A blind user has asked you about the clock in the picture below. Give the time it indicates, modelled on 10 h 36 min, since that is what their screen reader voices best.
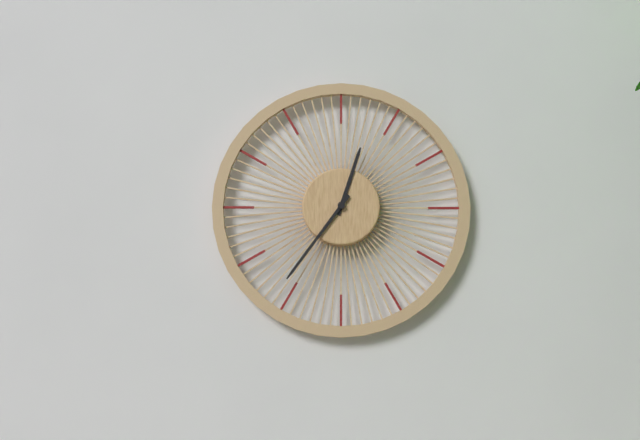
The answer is 12 h 36 min
